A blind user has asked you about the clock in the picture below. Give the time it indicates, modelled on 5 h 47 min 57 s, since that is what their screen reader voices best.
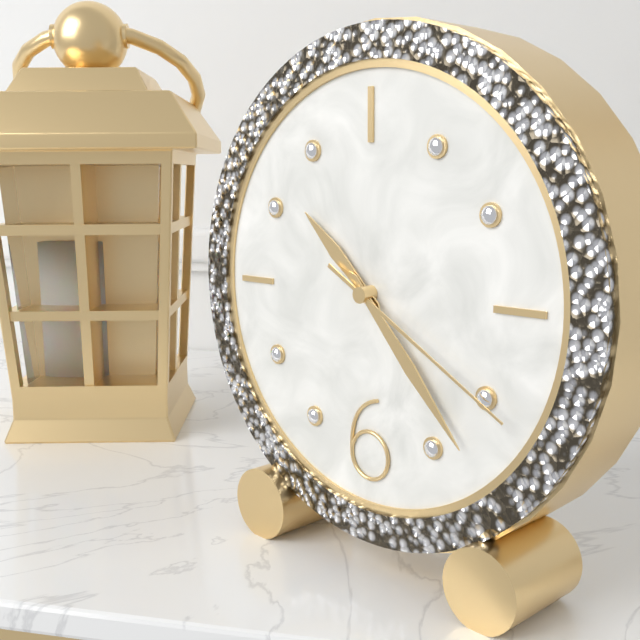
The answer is 10 h 23 min 20 s
